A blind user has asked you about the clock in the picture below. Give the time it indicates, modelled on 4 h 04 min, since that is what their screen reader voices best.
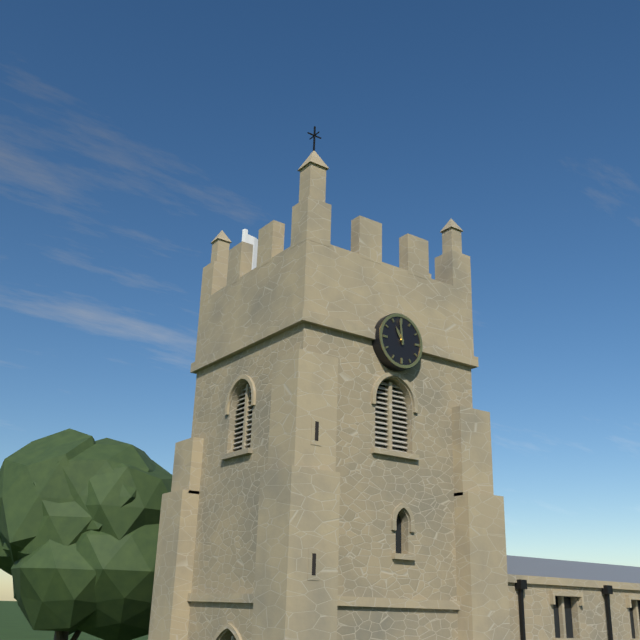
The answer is 10 h 59 min
